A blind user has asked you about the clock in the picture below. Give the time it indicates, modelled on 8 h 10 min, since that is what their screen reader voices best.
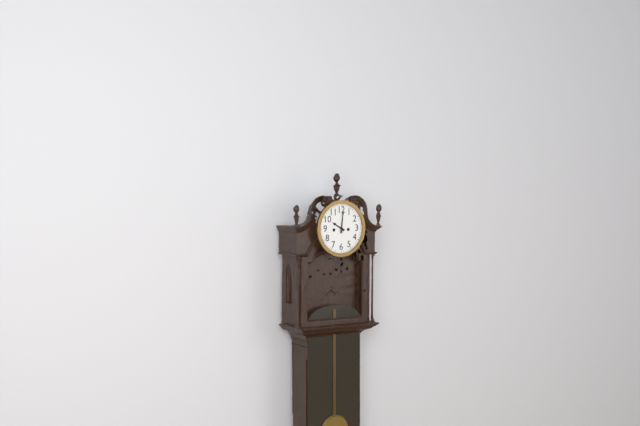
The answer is 10 h 01 min
